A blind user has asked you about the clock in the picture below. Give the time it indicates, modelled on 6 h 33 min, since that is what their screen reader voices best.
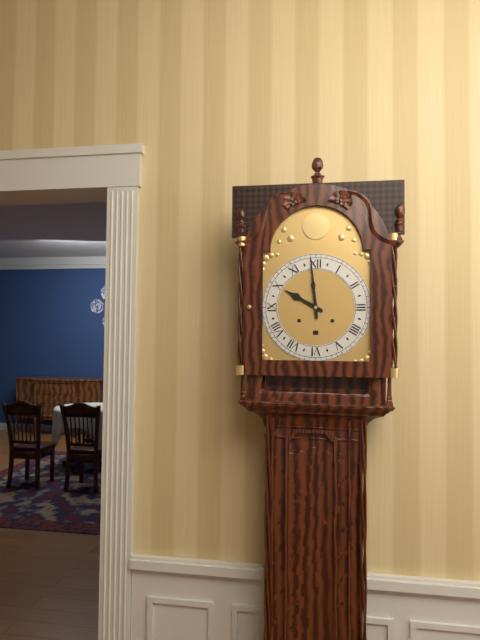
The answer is 9 h 59 min
